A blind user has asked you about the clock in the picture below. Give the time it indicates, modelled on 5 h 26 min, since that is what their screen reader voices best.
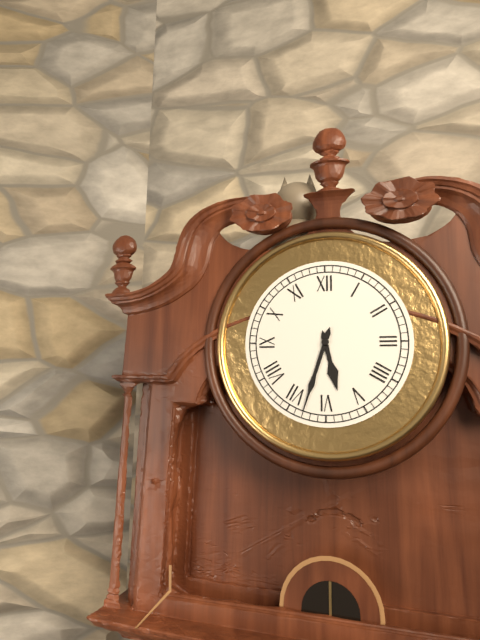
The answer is 5 h 33 min
